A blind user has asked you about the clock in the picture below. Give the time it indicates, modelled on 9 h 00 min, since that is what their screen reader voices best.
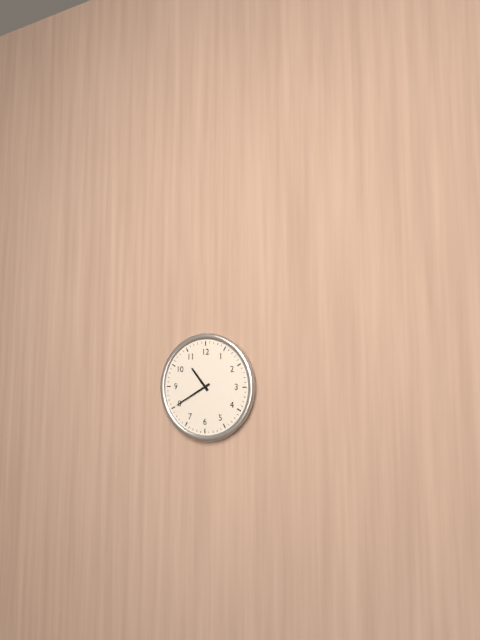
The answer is 10 h 40 min
